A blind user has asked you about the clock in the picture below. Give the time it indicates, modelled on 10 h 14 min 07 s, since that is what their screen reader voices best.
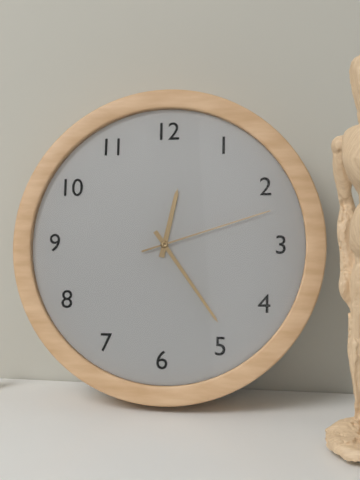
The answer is 12 h 24 min 12 s
